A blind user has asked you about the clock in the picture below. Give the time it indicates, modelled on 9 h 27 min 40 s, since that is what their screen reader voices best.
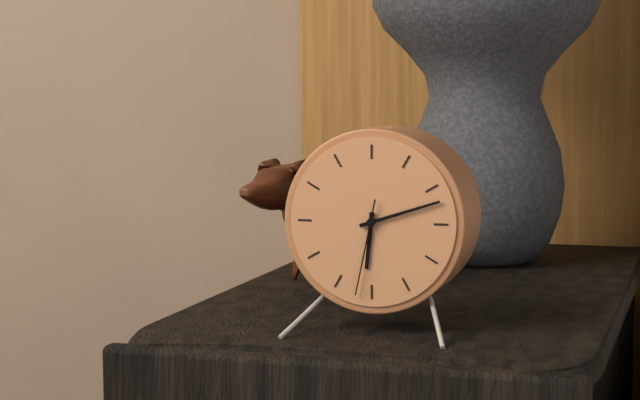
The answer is 6 h 12 min 32 s
